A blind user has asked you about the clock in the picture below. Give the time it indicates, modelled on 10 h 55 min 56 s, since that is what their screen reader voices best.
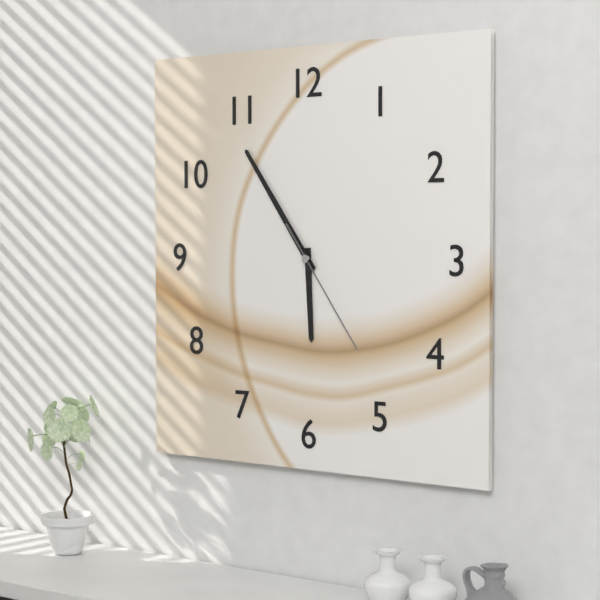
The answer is 5 h 54 min 24 s
